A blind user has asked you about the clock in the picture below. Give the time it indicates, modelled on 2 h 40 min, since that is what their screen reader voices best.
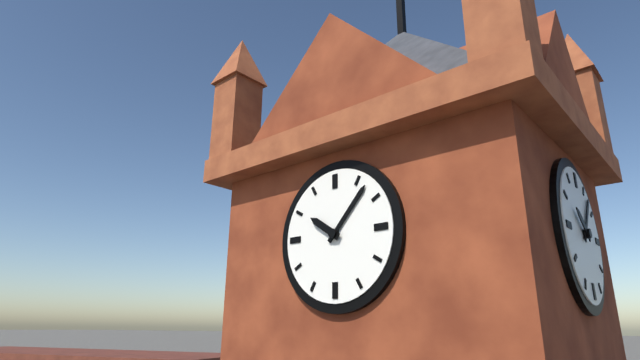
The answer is 10 h 07 min
